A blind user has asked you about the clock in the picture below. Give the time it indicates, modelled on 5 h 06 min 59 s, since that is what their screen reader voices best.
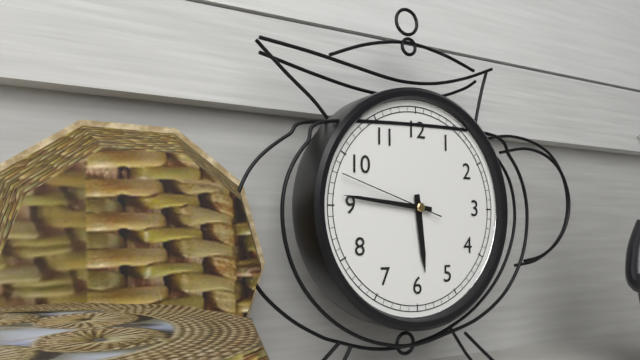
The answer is 5 h 46 min 48 s
